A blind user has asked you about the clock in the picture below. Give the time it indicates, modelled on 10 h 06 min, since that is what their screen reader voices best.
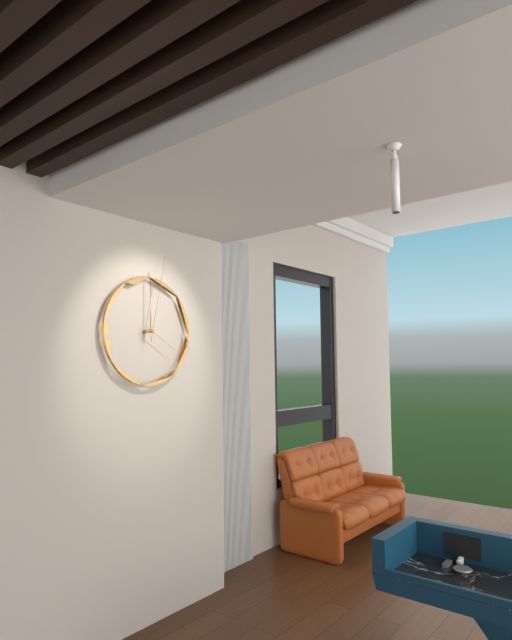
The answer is 4 h 02 min
